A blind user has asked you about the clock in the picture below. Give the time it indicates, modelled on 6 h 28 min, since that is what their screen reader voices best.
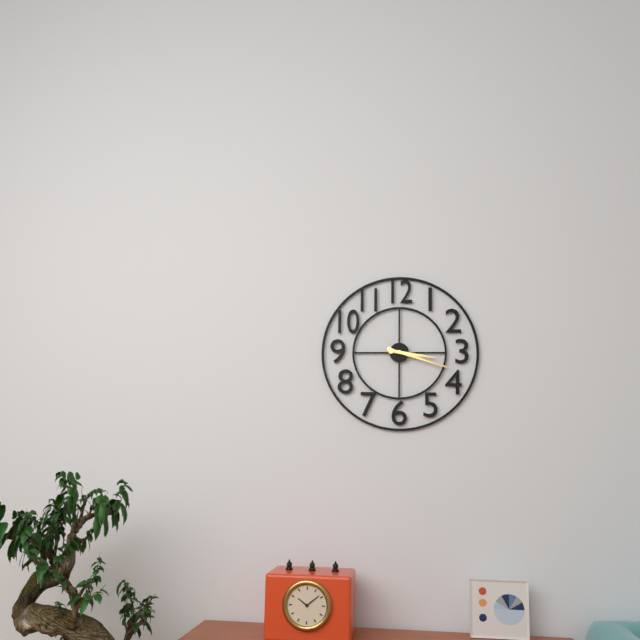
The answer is 3 h 18 min
